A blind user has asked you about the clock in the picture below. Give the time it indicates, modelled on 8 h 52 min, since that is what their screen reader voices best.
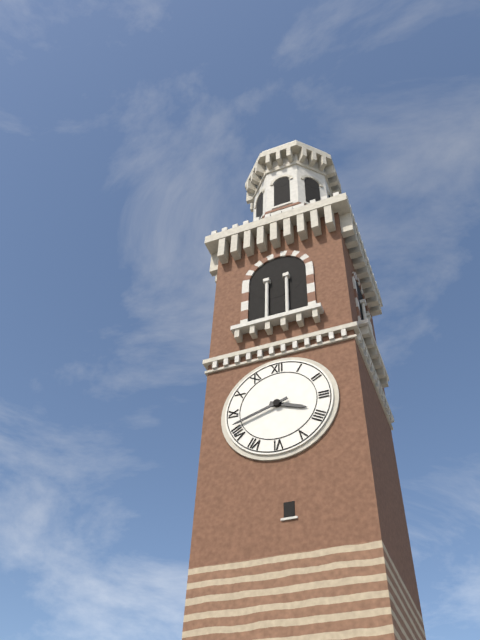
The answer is 3 h 42 min
